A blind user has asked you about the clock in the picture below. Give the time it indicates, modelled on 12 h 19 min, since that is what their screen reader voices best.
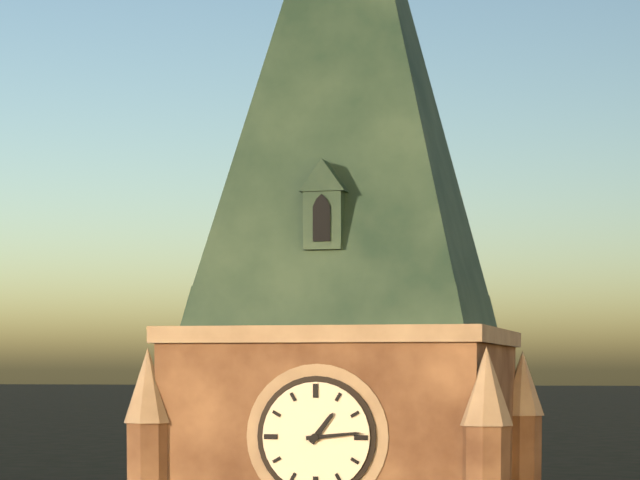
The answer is 1 h 14 min
